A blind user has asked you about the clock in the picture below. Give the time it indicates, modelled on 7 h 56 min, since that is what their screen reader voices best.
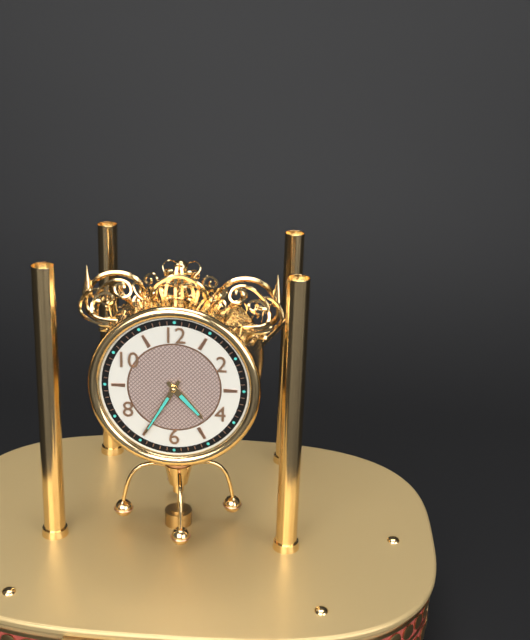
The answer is 4 h 35 min
